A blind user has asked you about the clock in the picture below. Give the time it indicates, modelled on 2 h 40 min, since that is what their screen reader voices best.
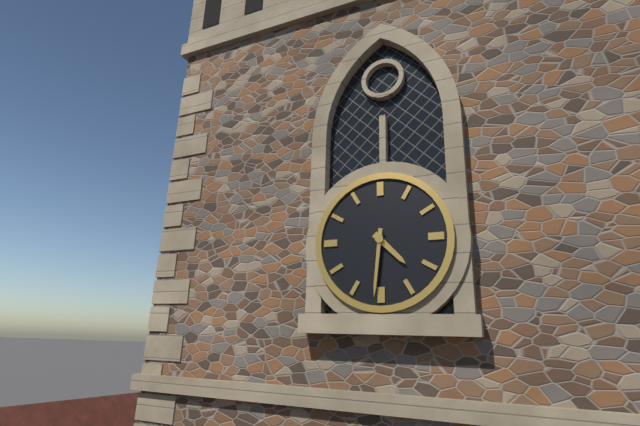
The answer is 4 h 31 min
